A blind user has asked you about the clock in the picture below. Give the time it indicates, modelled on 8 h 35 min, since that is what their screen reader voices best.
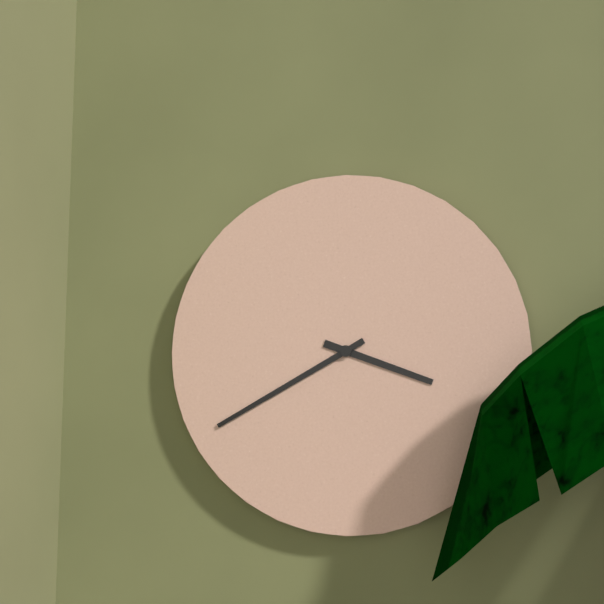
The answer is 3 h 40 min
